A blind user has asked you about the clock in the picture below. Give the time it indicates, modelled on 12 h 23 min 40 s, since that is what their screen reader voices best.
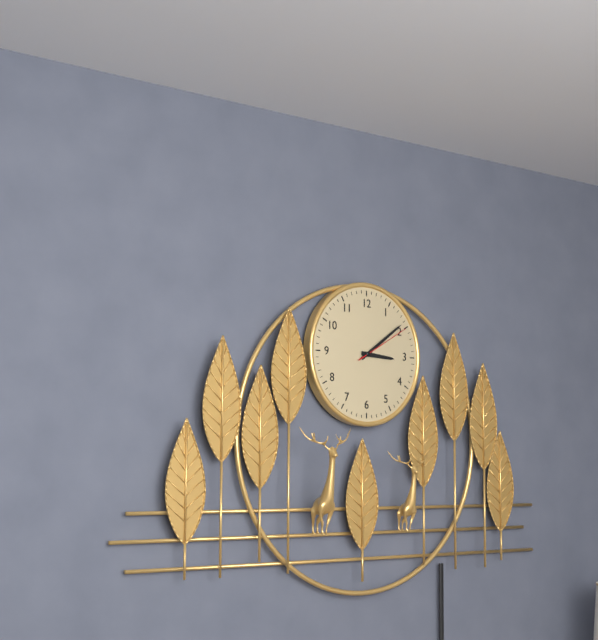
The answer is 3 h 09 min 10 s
